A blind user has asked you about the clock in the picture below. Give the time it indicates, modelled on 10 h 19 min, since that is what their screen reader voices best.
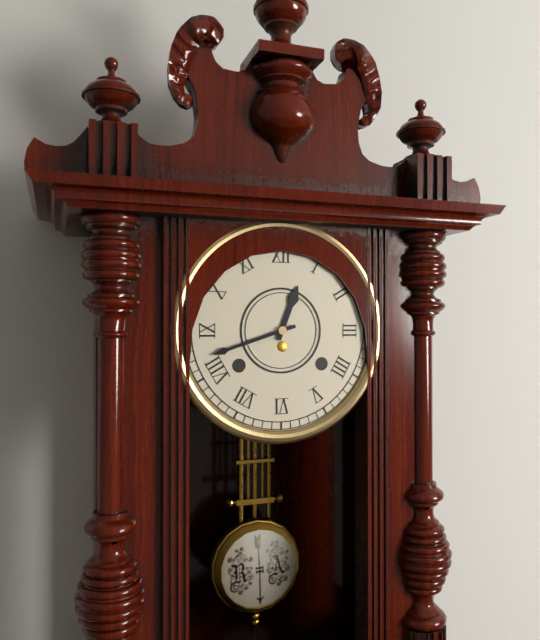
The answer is 12 h 42 min
